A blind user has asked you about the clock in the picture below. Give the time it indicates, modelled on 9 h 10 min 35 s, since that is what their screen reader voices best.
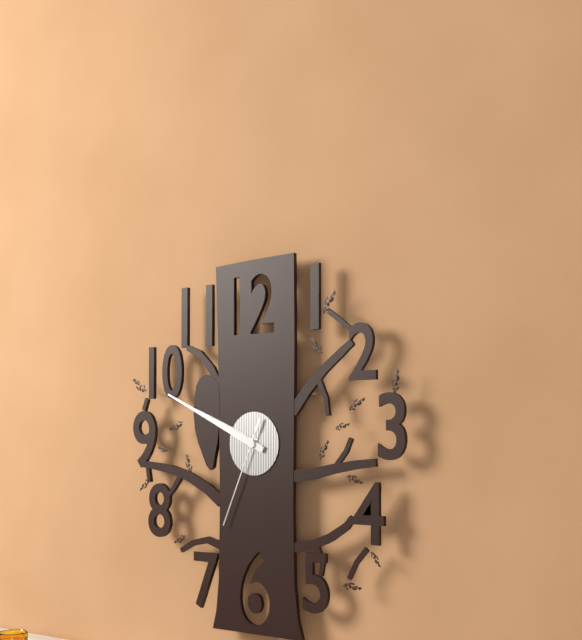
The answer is 9 h 49 min 34 s
